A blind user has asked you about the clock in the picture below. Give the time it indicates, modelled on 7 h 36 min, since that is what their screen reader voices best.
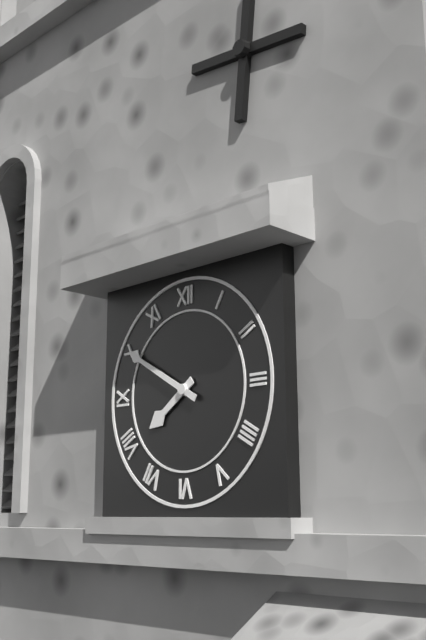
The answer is 7 h 50 min
